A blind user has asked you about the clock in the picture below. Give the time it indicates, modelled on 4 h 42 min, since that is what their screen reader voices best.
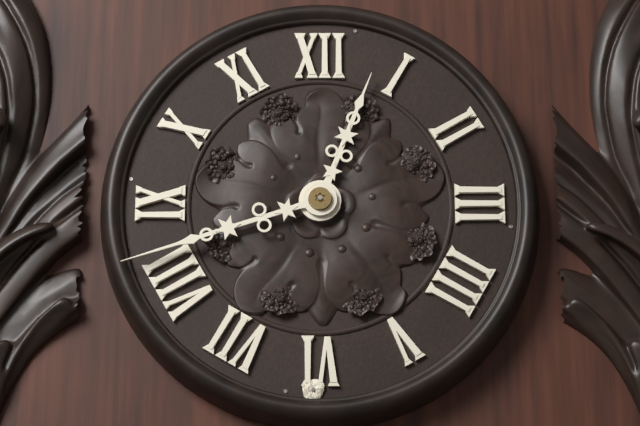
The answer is 12 h 42 min
